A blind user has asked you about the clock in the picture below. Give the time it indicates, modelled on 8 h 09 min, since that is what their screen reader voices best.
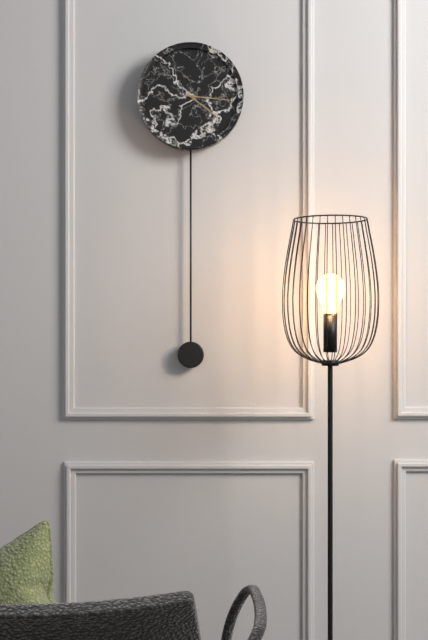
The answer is 4 h 16 min
